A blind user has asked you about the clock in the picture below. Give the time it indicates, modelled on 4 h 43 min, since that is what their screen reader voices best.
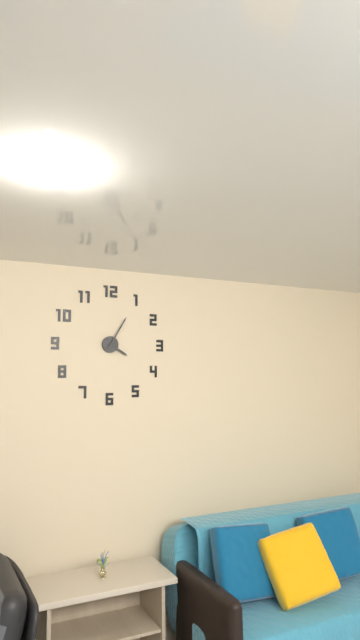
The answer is 4 h 05 min
